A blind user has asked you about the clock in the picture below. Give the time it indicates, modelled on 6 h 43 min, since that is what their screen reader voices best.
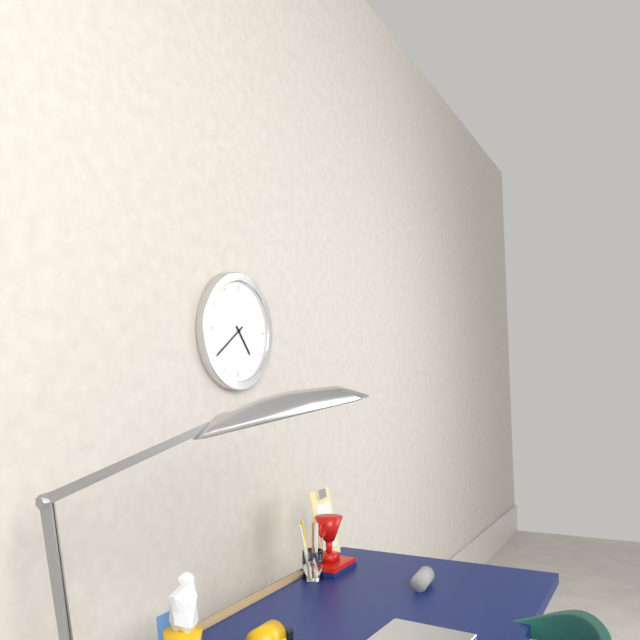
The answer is 4 h 39 min
